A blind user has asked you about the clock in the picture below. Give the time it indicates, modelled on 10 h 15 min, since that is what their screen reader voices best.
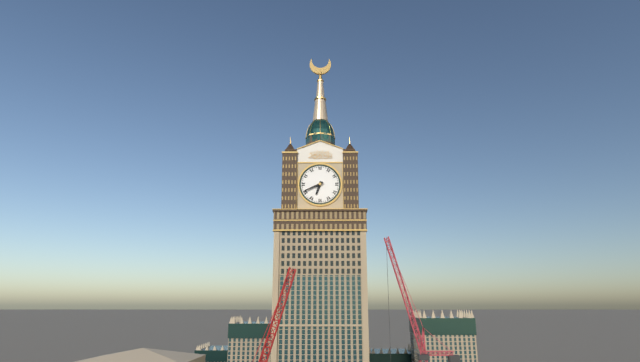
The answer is 6 h 41 min
